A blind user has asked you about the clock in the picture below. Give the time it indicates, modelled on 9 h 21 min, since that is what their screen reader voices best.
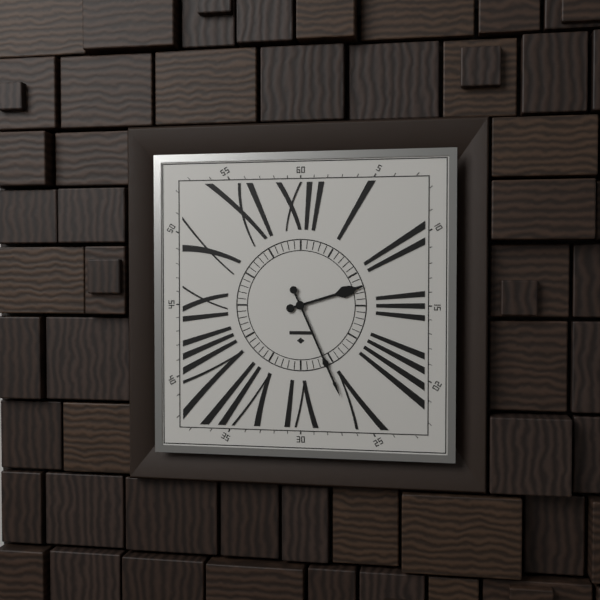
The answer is 2 h 26 min
